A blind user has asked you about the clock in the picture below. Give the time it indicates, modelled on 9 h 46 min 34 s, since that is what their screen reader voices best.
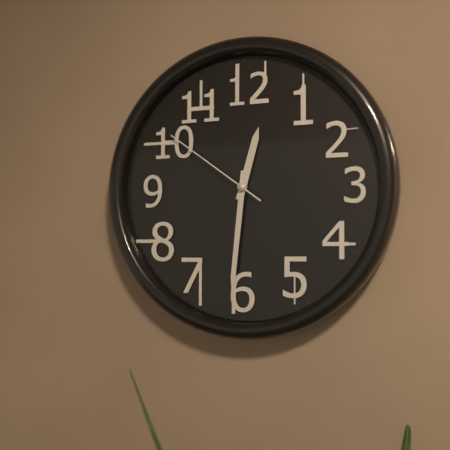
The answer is 12 h 31 min 51 s
